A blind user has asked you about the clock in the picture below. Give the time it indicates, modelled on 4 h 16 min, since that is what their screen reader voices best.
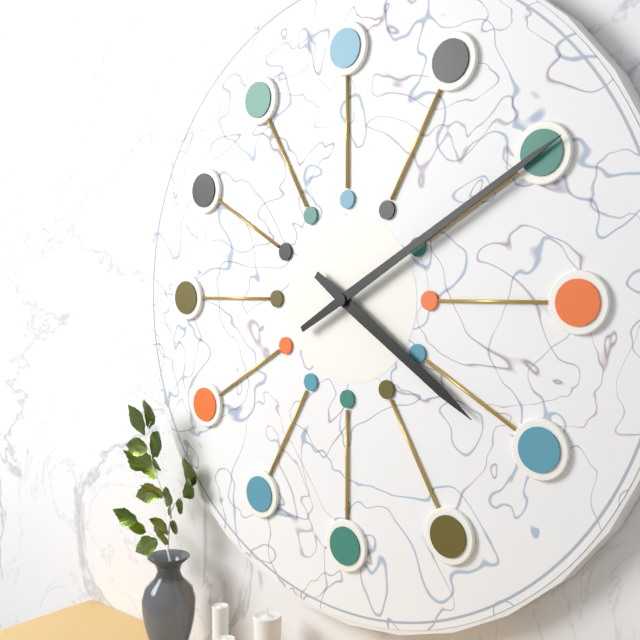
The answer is 4 h 10 min
